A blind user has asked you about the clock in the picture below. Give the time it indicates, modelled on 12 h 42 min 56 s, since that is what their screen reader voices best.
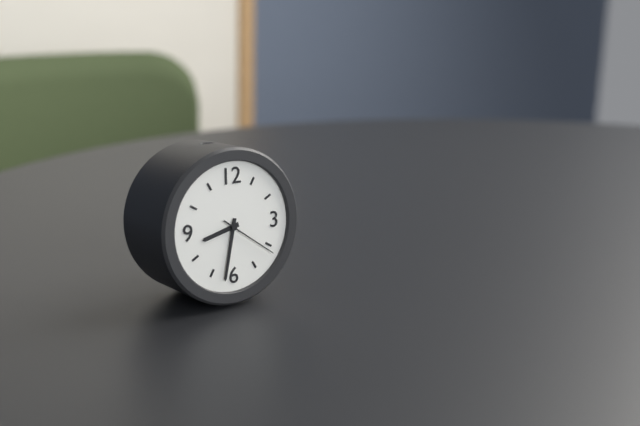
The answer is 8 h 32 min 21 s
